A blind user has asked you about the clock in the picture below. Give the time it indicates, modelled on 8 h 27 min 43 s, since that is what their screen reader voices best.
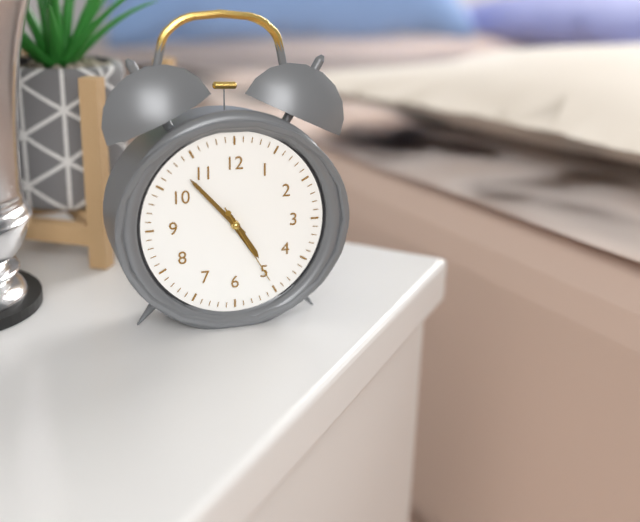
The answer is 4 h 53 min 25 s
